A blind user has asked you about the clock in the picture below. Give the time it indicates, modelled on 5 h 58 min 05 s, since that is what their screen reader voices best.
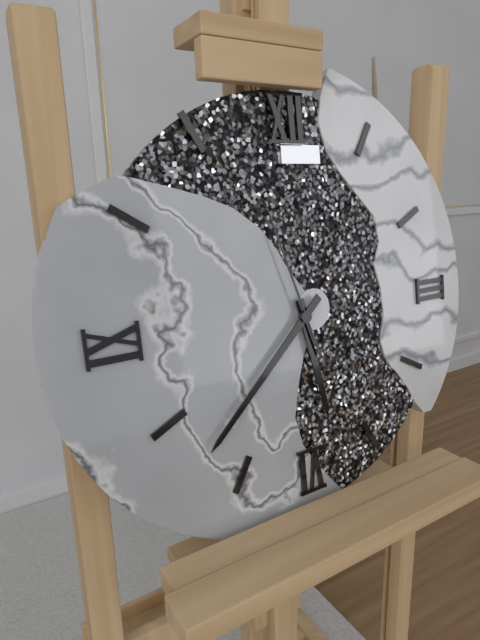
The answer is 5 h 38 min 57 s
